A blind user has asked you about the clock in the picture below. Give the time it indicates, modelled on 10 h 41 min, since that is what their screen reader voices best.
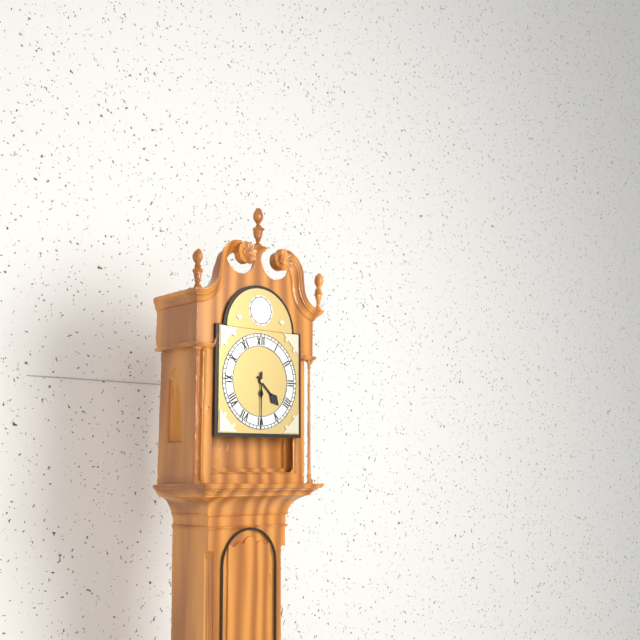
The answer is 4 h 30 min
